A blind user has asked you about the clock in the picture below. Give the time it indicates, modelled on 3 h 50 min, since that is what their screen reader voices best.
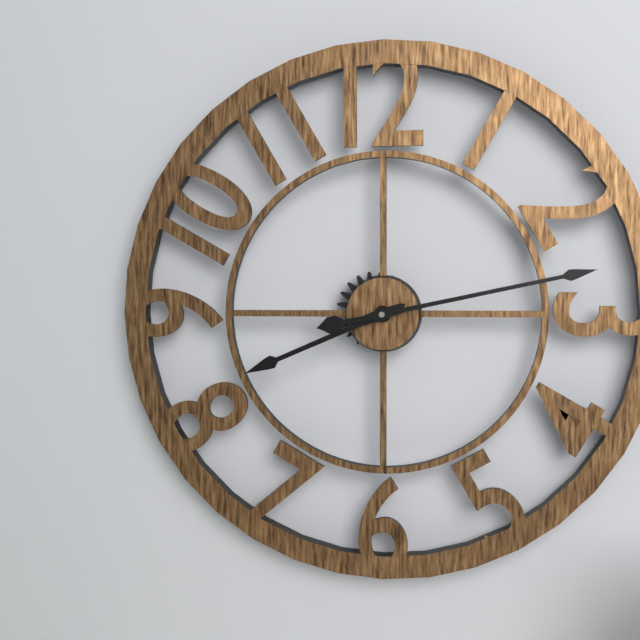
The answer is 8 h 13 min
